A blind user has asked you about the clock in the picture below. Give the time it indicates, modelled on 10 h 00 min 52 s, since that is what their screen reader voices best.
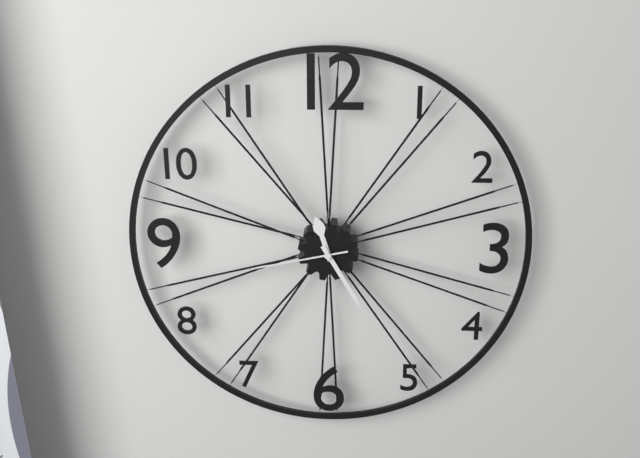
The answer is 11 h 25 min 43 s
